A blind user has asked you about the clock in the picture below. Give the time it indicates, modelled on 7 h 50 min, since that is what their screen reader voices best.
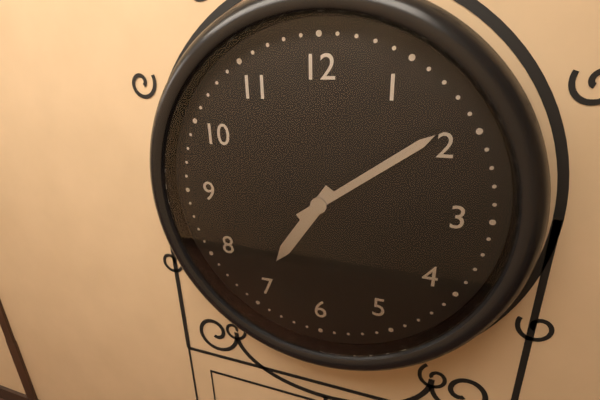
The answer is 7 h 09 min
